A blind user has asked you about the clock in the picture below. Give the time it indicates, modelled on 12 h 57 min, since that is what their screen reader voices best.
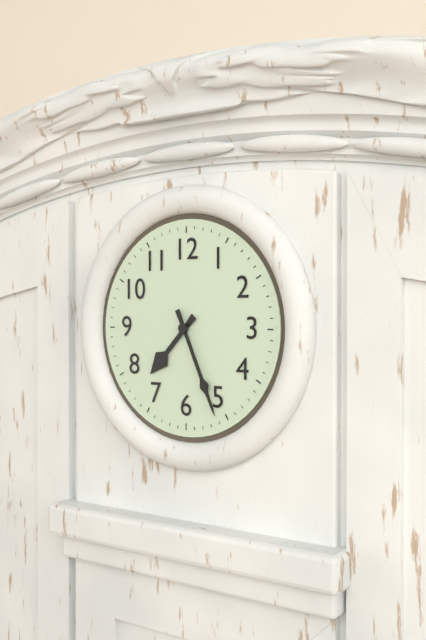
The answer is 7 h 26 min
